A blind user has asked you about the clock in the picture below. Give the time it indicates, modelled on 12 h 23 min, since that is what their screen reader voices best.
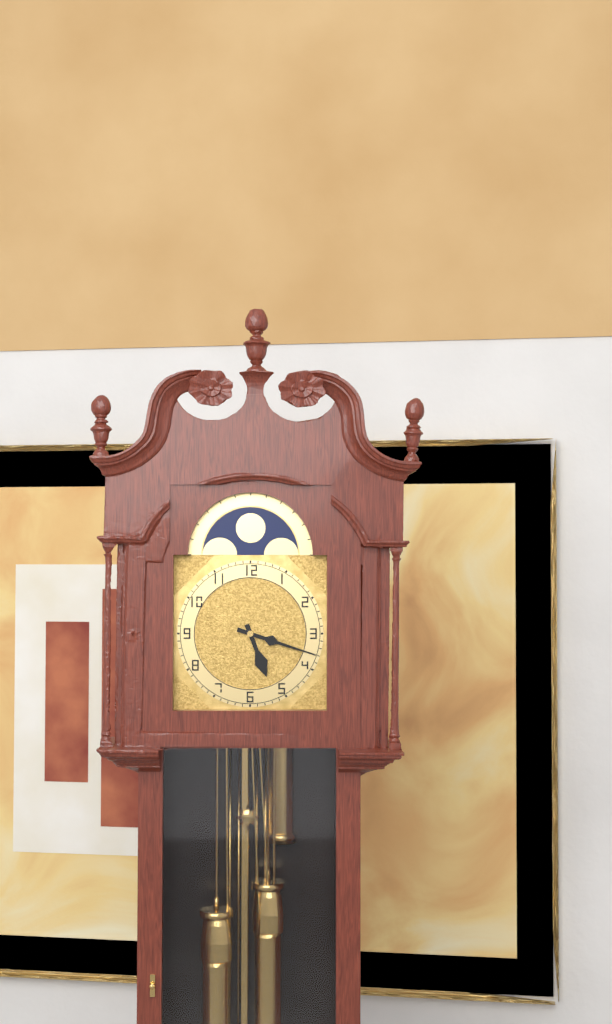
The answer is 5 h 18 min
